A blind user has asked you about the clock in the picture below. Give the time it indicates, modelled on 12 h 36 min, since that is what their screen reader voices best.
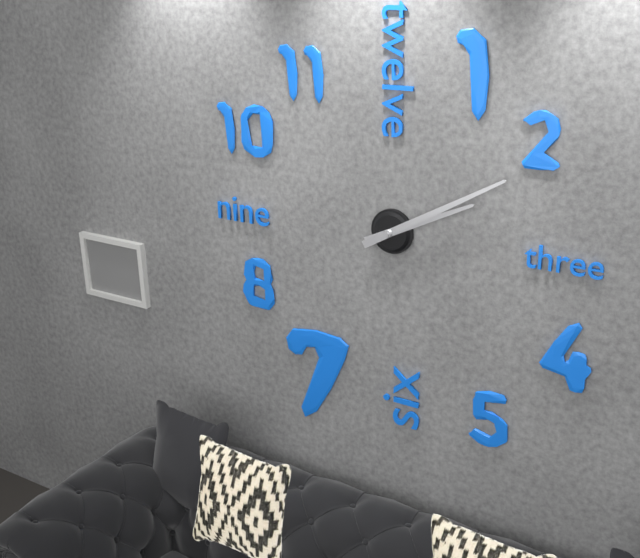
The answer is 2 h 10 min
